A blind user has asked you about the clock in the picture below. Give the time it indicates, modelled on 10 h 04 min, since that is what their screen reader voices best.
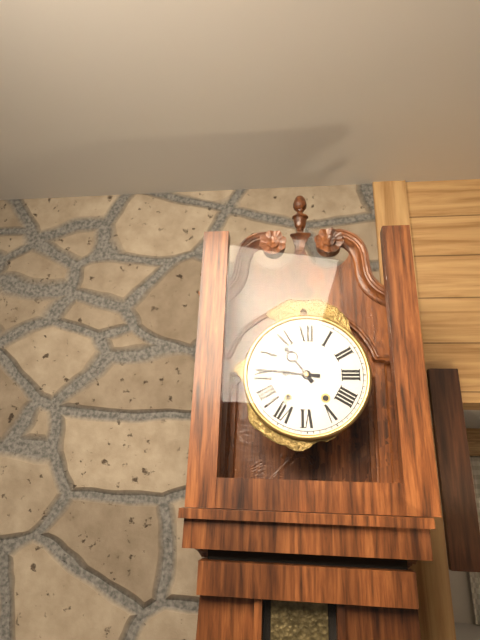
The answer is 10 h 46 min
